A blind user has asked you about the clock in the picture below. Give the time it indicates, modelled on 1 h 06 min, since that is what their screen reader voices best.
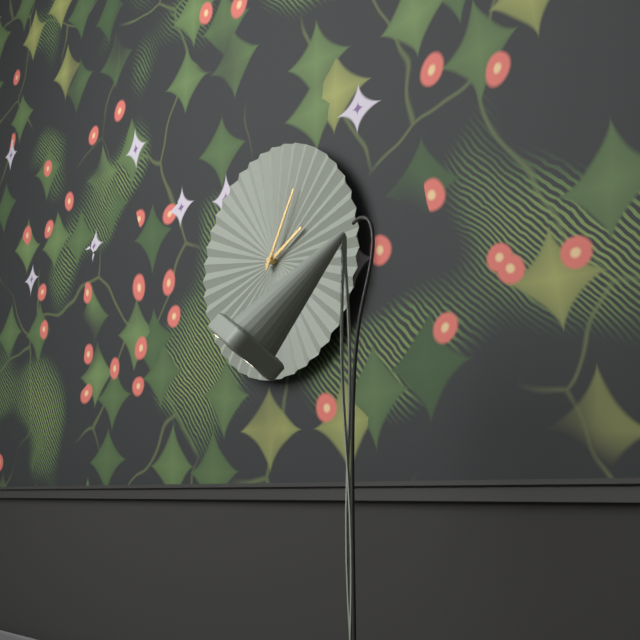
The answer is 2 h 05 min
